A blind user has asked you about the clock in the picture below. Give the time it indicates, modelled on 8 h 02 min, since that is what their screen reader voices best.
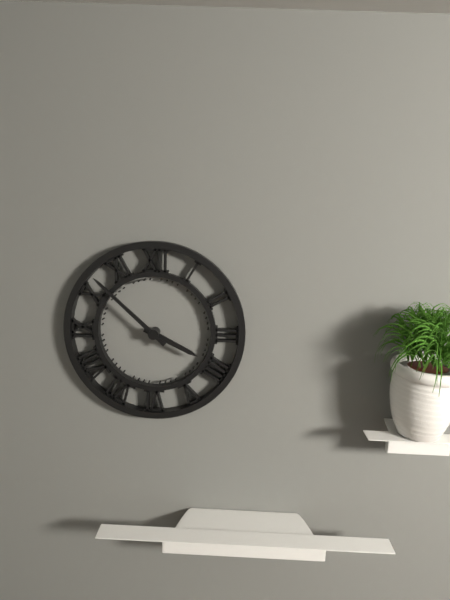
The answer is 3 h 52 min
